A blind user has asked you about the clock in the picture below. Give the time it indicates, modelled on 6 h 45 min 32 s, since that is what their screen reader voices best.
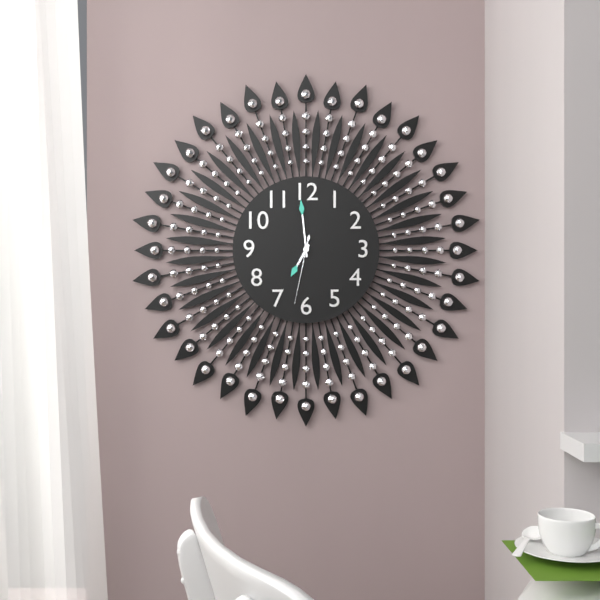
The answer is 6 h 59 min 32 s
